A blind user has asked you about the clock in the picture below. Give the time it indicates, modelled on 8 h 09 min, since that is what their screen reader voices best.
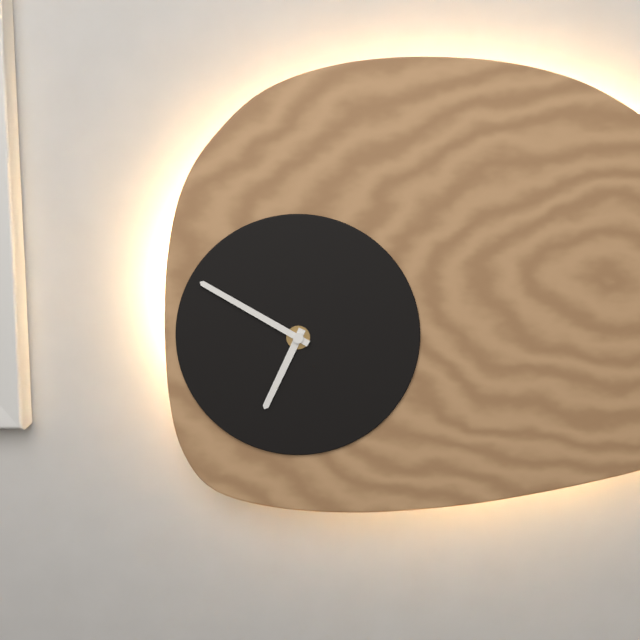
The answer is 6 h 50 min
